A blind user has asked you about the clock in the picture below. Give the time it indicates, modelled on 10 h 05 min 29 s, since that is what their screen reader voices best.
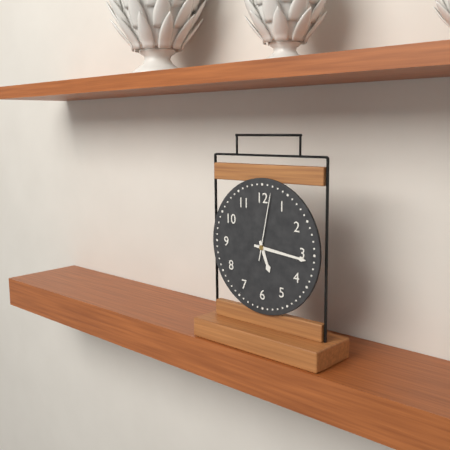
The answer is 5 h 16 min 02 s
